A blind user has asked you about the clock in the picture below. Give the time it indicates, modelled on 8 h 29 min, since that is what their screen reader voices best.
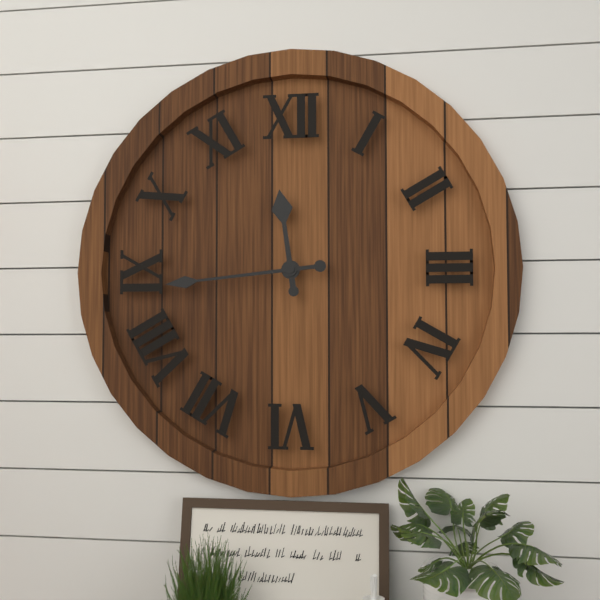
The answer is 11 h 44 min
